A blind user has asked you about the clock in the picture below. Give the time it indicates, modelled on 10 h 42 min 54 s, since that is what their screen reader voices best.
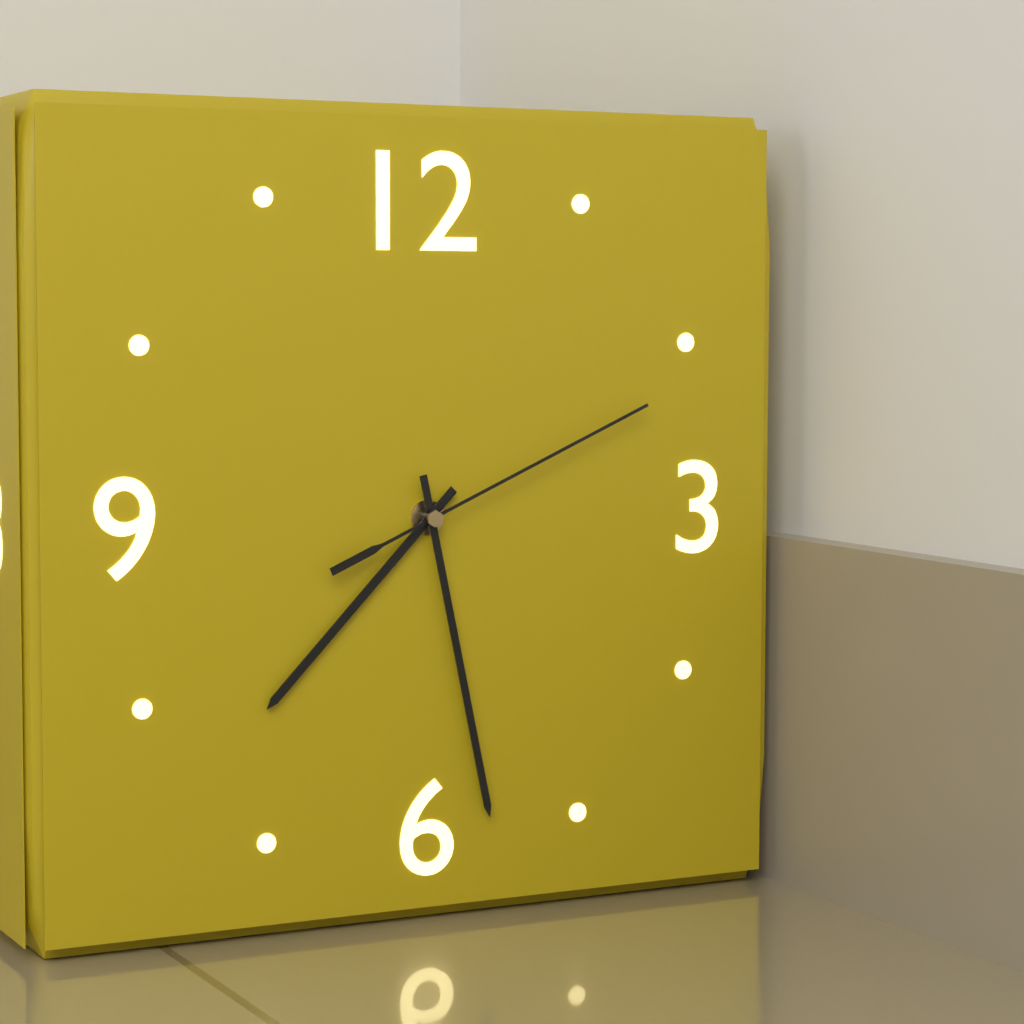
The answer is 7 h 28 min 11 s
